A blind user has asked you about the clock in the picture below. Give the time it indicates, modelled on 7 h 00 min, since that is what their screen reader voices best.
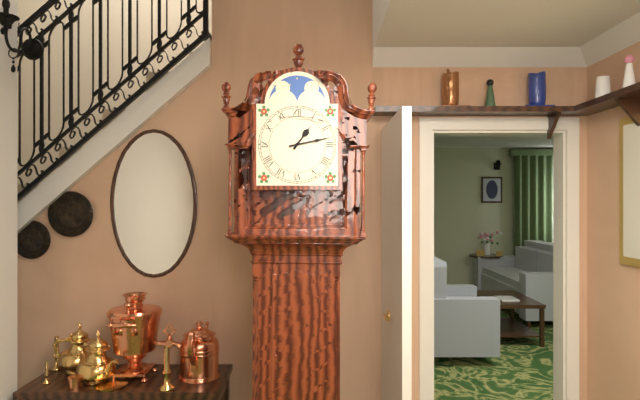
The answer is 1 h 13 min
